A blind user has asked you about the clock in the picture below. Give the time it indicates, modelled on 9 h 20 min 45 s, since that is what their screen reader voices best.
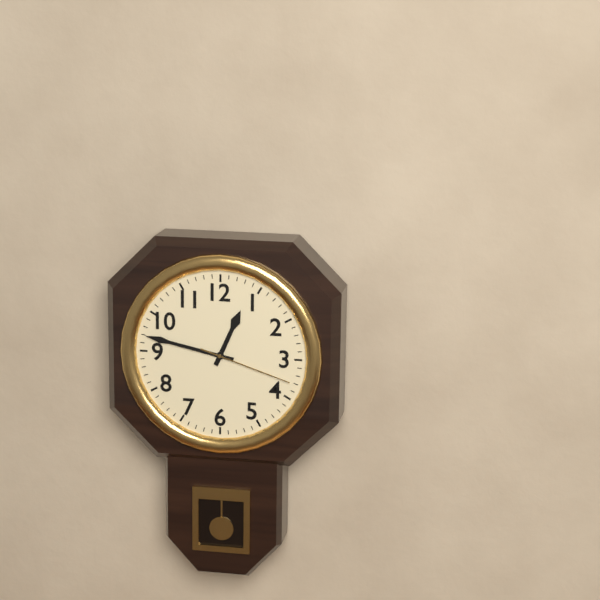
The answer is 12 h 47 min 18 s
